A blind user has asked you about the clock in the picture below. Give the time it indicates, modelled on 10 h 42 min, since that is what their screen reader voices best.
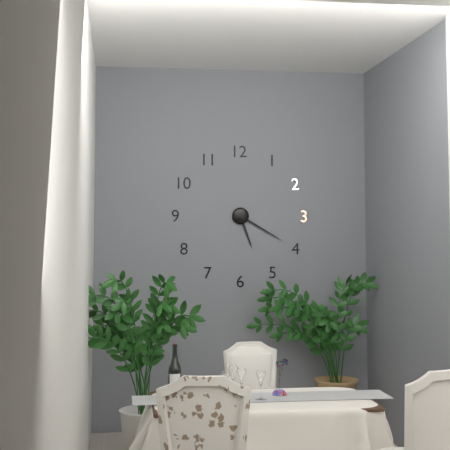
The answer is 5 h 20 min
